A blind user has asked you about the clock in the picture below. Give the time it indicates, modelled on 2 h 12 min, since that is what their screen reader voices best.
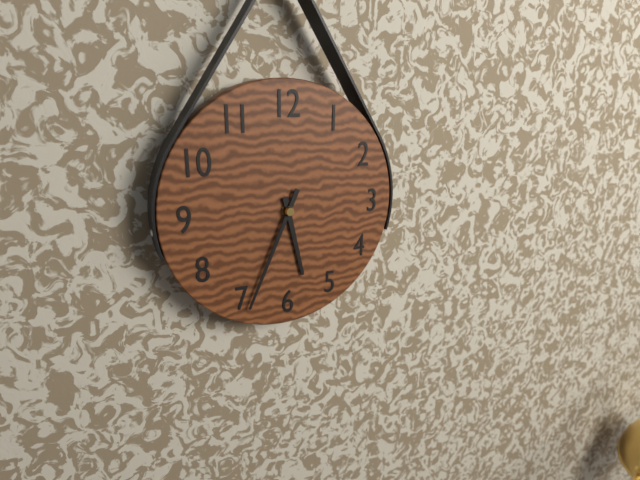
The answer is 5 h 34 min
